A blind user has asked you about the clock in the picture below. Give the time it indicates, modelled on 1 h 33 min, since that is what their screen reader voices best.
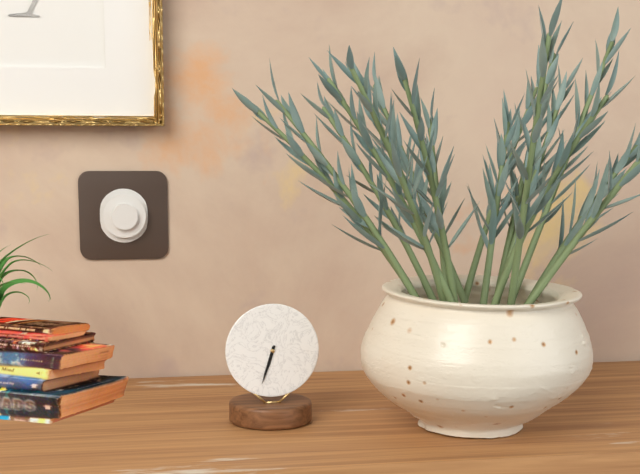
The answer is 6 h 33 min
